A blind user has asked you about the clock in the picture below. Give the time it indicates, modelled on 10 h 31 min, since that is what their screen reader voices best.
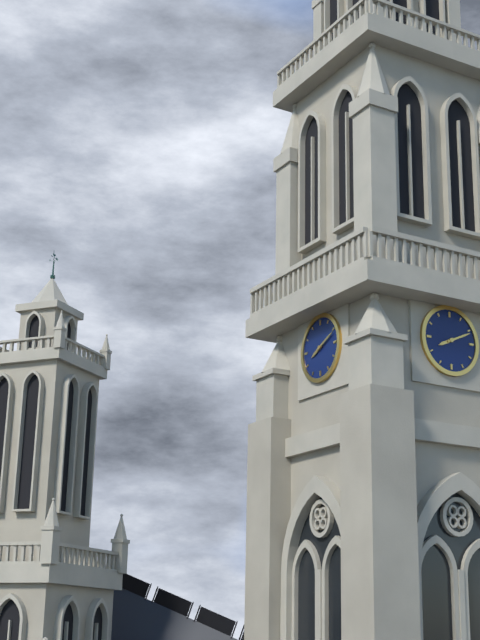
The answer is 8 h 11 min
